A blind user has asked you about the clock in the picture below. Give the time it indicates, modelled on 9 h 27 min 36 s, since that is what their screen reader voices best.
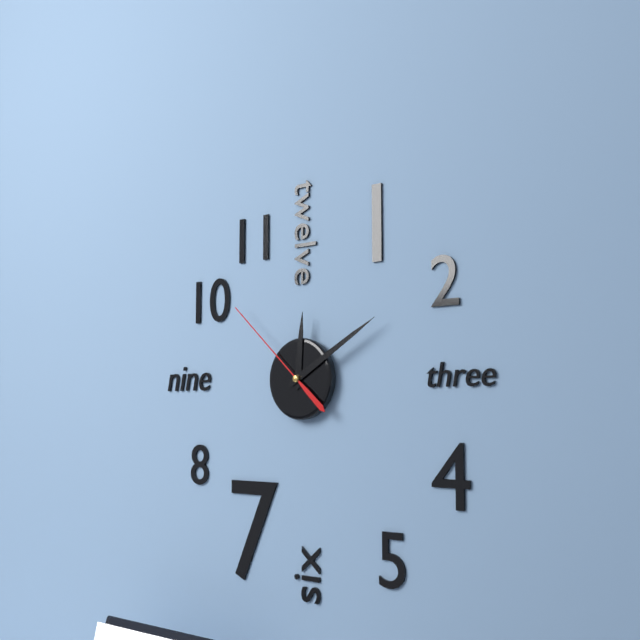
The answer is 12 h 10 min 52 s
